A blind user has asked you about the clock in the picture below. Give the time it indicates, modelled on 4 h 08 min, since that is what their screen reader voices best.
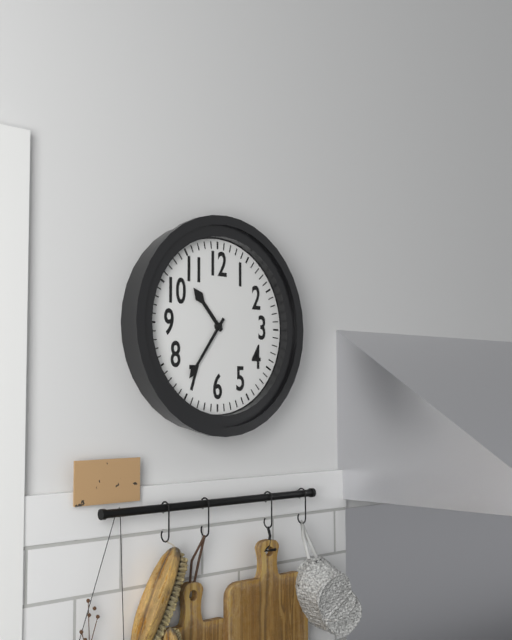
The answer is 10 h 36 min
